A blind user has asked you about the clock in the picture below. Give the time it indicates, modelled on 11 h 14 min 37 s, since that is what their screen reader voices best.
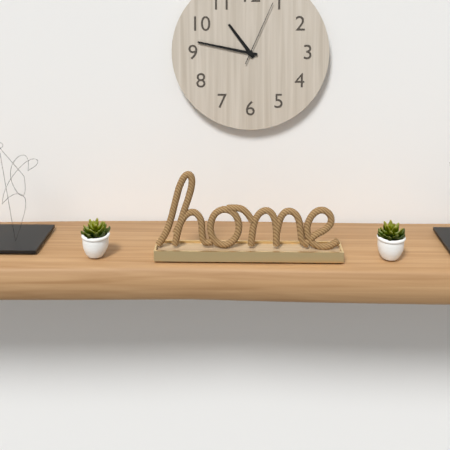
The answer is 10 h 47 min 04 s
